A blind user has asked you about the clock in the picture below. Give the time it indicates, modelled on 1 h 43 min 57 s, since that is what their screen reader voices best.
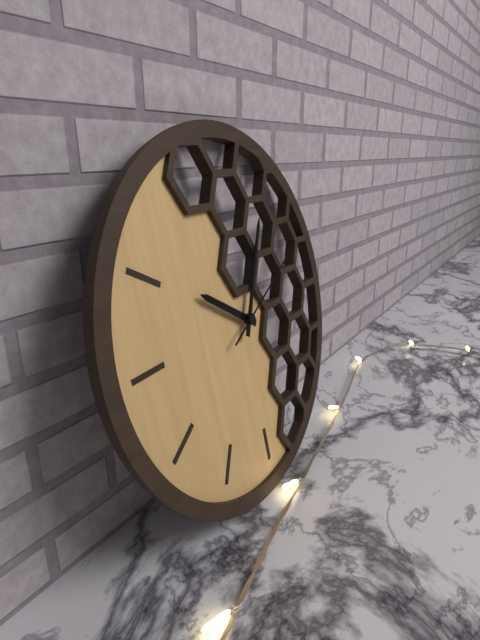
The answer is 10 h 05 min 11 s
